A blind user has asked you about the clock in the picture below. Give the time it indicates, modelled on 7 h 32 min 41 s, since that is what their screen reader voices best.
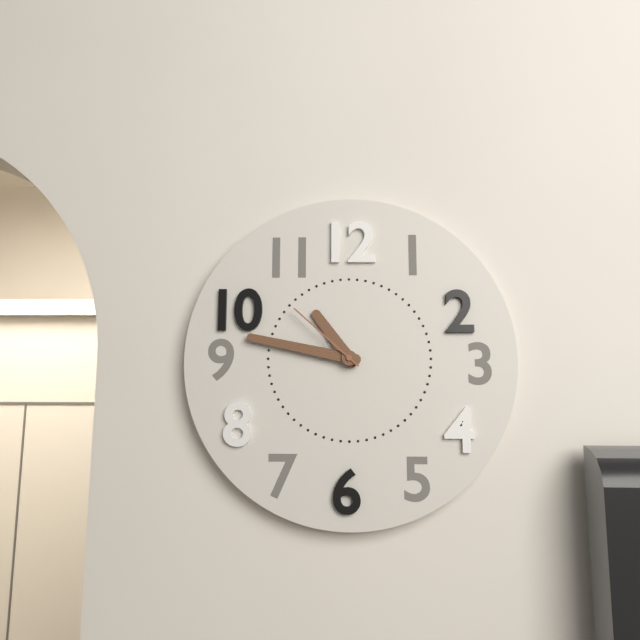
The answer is 10 h 47 min 52 s
